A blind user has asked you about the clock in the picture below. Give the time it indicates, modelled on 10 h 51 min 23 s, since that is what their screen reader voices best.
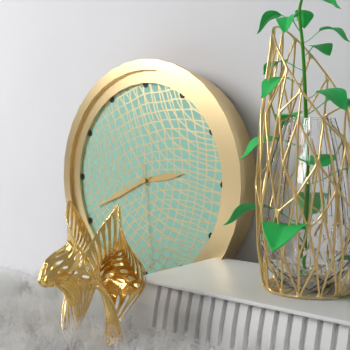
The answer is 2 h 41 min 29 s
